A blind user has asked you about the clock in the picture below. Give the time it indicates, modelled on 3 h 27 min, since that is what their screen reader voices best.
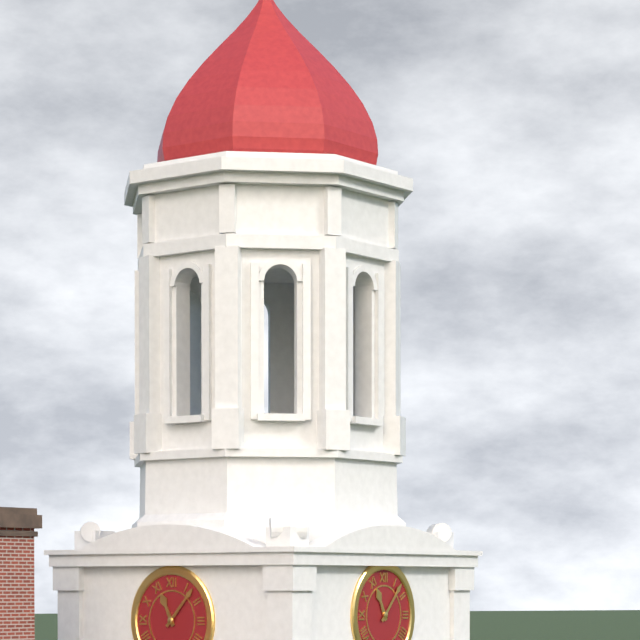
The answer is 11 h 07 min
